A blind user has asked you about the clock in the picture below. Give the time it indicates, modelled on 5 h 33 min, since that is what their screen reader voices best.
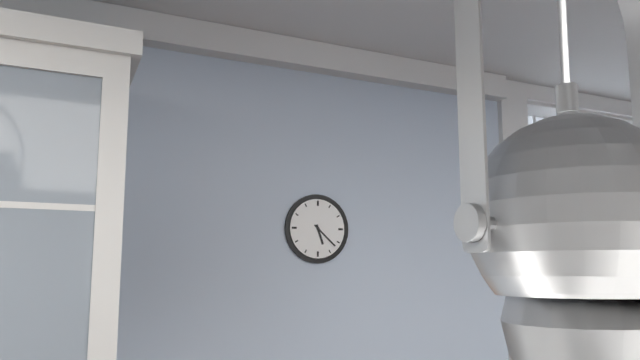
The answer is 5 h 22 min
